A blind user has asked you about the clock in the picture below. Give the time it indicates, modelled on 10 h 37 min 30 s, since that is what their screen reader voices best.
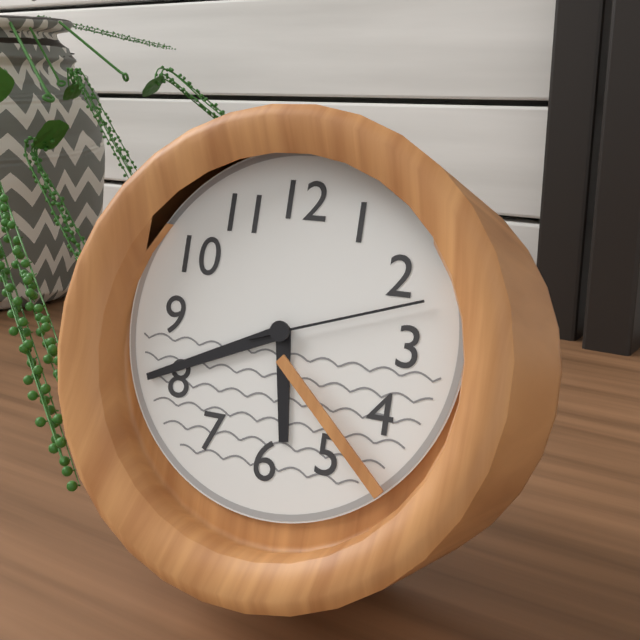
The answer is 5 h 41 min 12 s
